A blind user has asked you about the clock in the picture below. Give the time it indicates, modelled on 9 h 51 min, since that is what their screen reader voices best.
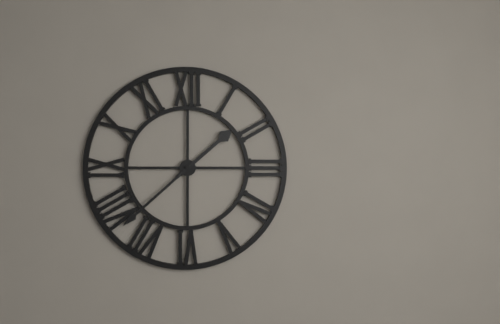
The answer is 1 h 38 min
